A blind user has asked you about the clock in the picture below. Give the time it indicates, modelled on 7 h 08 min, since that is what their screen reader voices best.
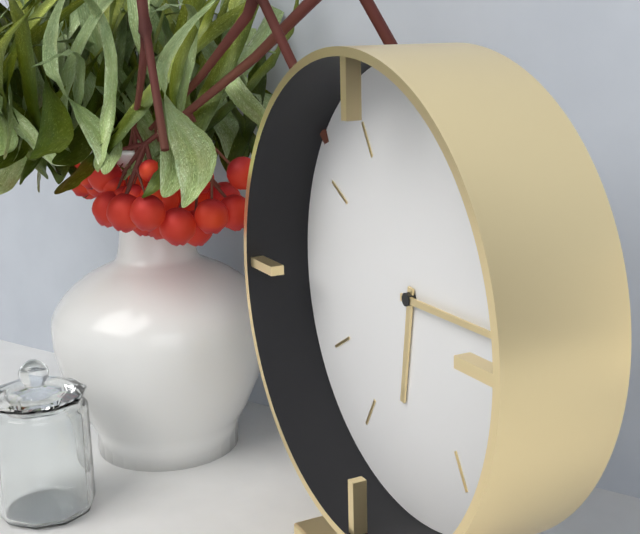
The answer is 6 h 15 min
